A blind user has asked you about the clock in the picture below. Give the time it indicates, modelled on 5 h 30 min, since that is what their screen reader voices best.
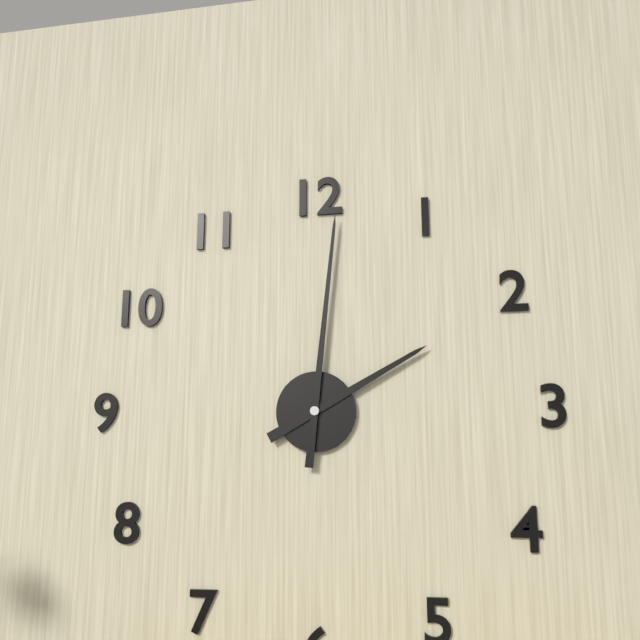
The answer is 2 h 01 min
